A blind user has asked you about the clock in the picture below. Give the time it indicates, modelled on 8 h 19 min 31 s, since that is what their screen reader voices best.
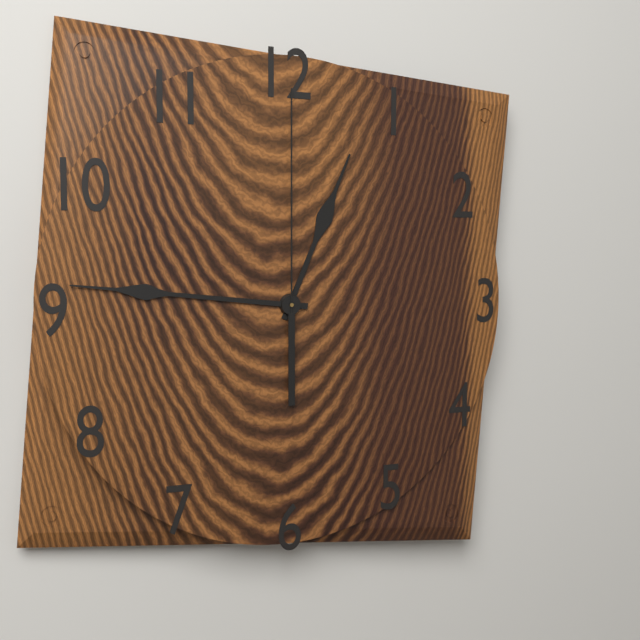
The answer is 12 h 46 min 00 s
